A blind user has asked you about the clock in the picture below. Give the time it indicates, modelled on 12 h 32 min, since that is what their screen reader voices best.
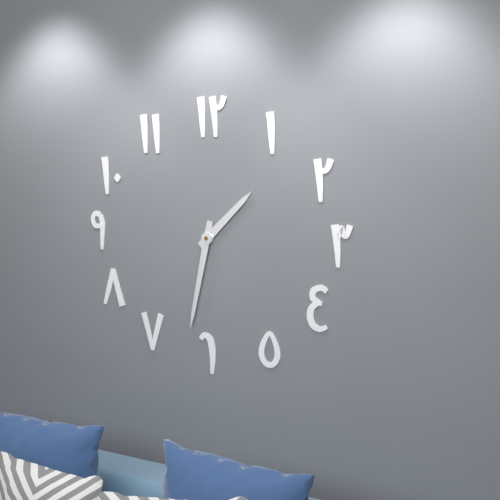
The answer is 1 h 32 min
